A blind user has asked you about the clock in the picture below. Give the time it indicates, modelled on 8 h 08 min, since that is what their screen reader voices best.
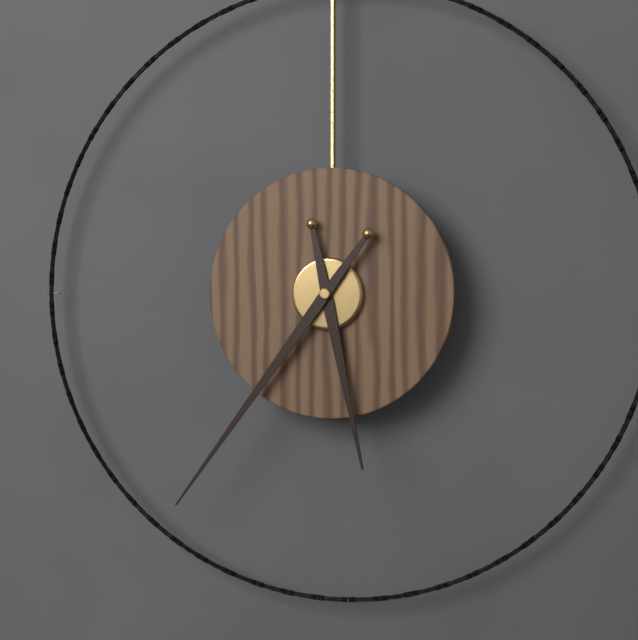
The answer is 5 h 36 min
